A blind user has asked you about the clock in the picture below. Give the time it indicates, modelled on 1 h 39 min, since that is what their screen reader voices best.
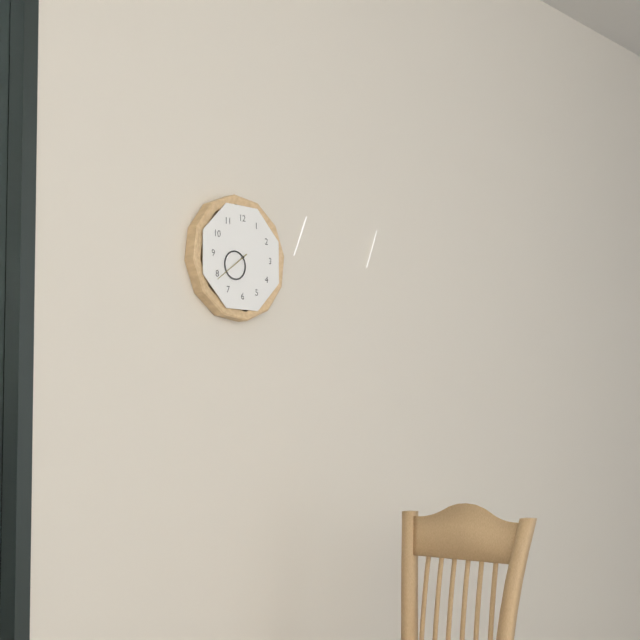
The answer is 7 h 39 min
